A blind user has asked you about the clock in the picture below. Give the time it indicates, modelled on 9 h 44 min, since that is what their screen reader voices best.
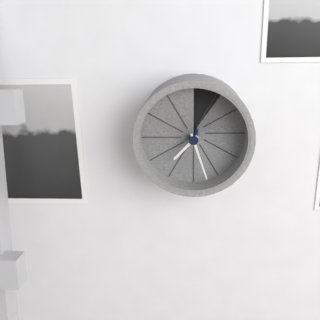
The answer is 7 h 27 min
